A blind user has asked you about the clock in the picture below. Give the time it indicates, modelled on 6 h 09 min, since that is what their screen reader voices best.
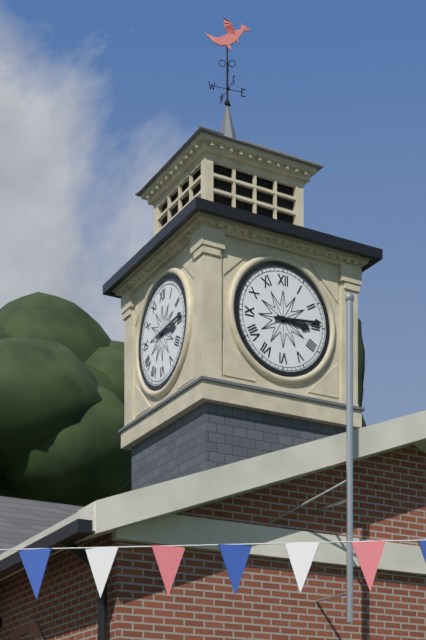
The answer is 3 h 14 min
